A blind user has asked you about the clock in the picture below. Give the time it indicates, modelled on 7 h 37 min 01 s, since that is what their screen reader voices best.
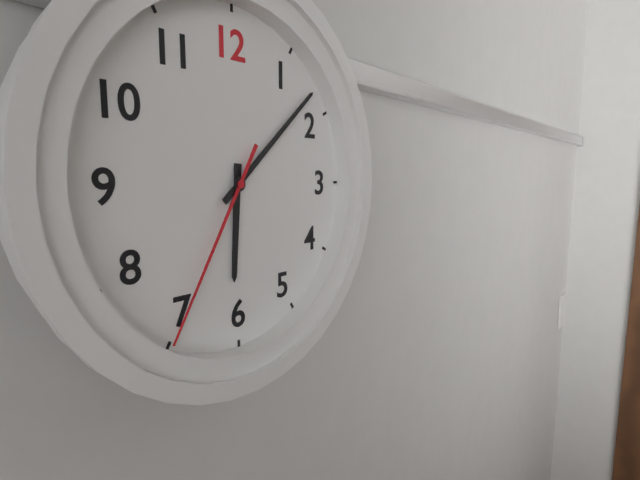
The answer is 6 h 08 min 35 s
